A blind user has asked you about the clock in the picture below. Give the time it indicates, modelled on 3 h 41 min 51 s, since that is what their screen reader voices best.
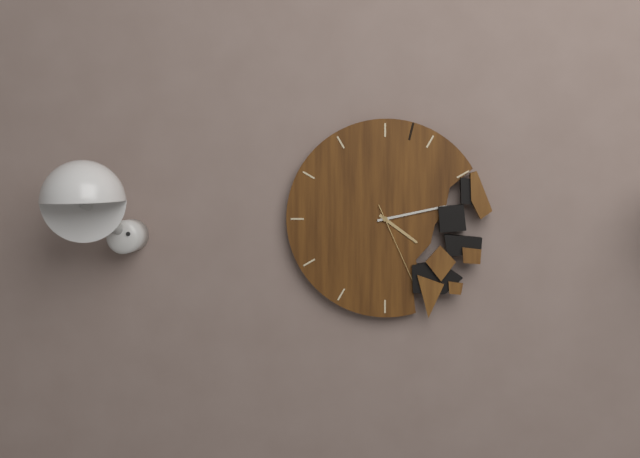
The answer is 4 h 13 min 26 s
